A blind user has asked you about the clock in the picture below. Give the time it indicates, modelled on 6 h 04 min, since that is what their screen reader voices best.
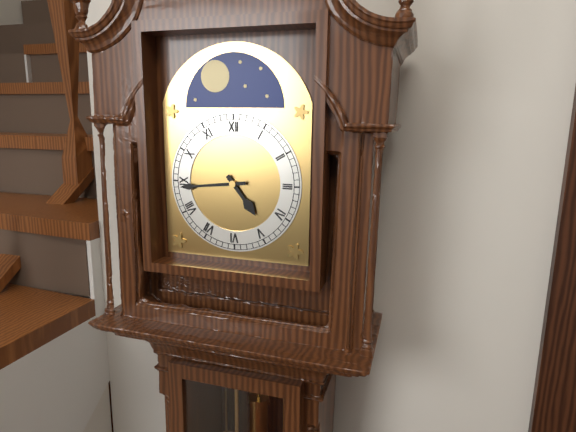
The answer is 4 h 44 min
